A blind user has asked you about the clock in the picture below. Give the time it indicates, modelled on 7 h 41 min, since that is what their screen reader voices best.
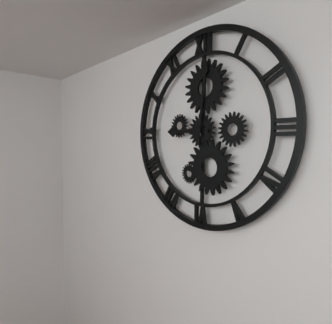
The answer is 9 h 01 min
